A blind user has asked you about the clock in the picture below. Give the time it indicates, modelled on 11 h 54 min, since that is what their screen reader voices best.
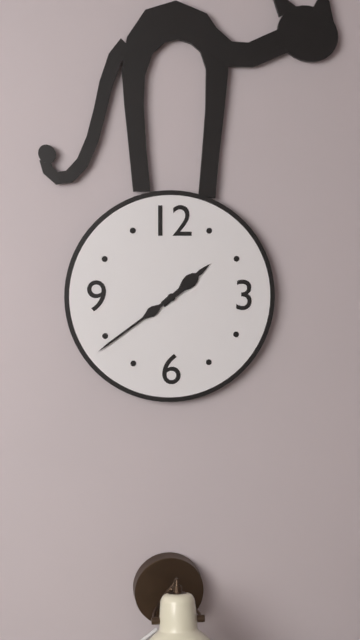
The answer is 1 h 39 min
